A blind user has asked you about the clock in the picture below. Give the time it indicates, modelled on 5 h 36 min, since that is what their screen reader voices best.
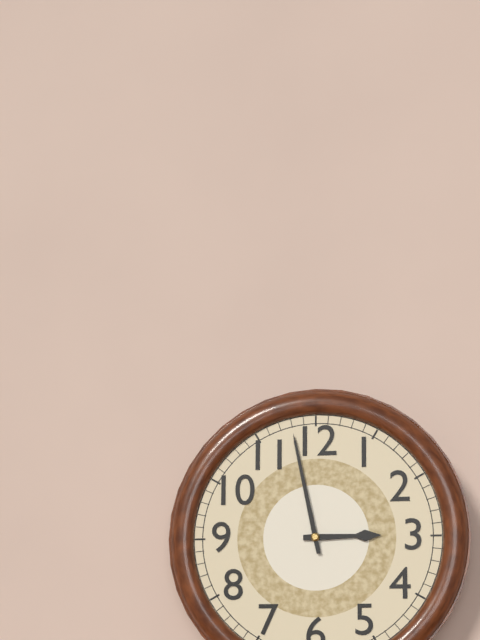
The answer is 2 h 58 min
